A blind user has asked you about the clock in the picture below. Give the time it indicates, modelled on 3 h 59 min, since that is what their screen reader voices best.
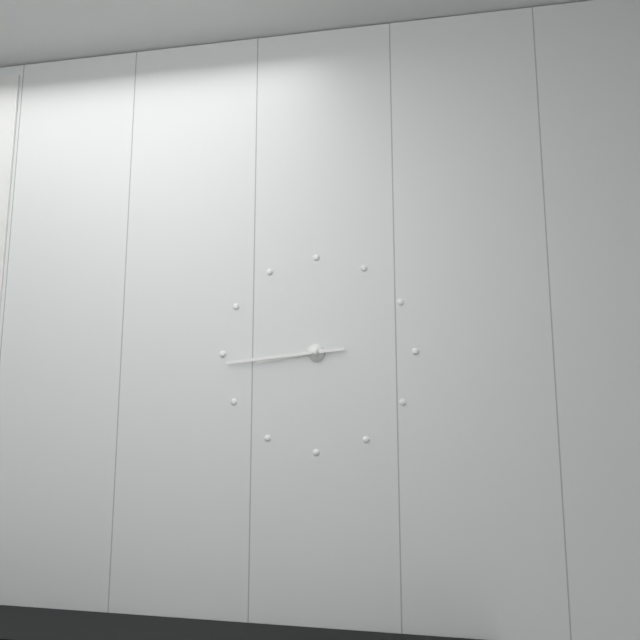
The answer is 8 h 44 min
